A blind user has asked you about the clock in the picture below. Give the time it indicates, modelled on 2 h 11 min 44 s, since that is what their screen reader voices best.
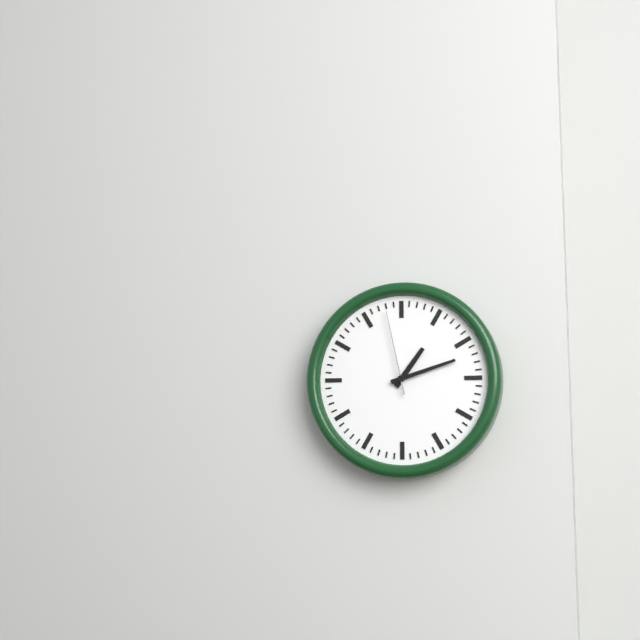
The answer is 1 h 12 min 58 s
